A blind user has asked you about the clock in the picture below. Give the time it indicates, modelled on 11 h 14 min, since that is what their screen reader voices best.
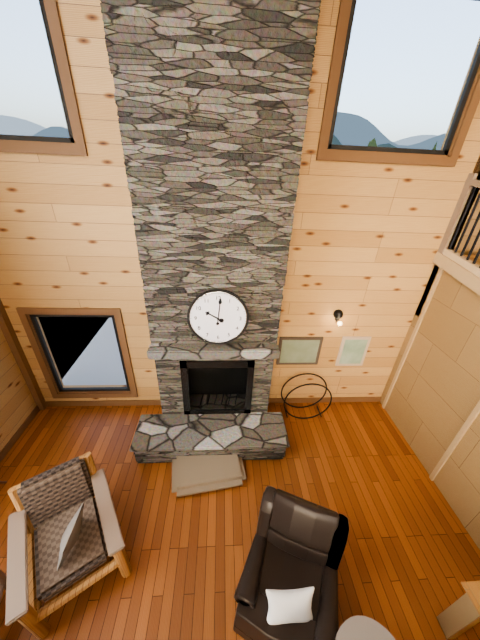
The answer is 10 h 01 min
